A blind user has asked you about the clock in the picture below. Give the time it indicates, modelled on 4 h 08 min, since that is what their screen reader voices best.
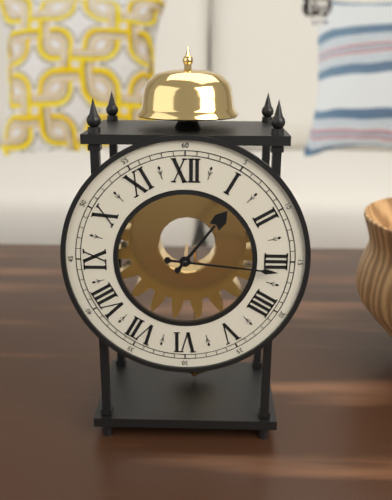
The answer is 1 h 16 min
